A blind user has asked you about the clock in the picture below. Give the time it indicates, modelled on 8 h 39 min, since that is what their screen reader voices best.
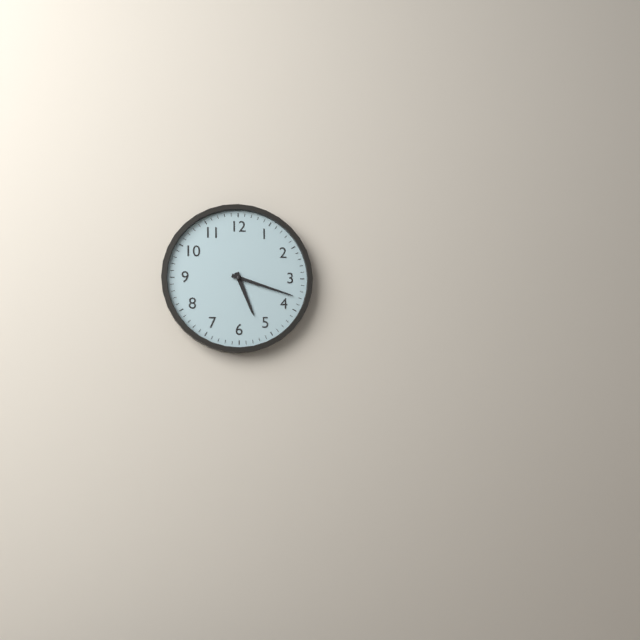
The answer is 5 h 18 min
